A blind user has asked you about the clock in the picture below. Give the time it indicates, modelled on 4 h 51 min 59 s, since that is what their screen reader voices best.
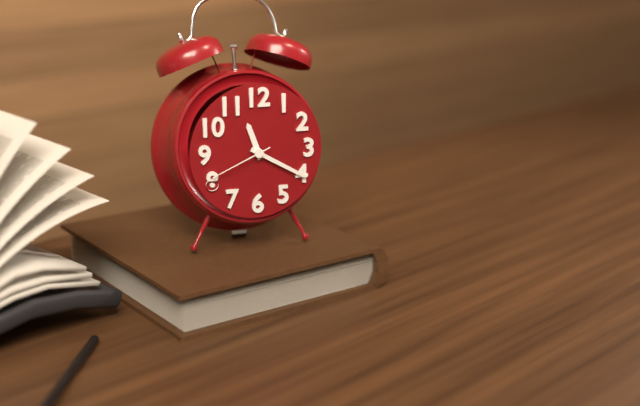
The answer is 11 h 20 min 41 s
